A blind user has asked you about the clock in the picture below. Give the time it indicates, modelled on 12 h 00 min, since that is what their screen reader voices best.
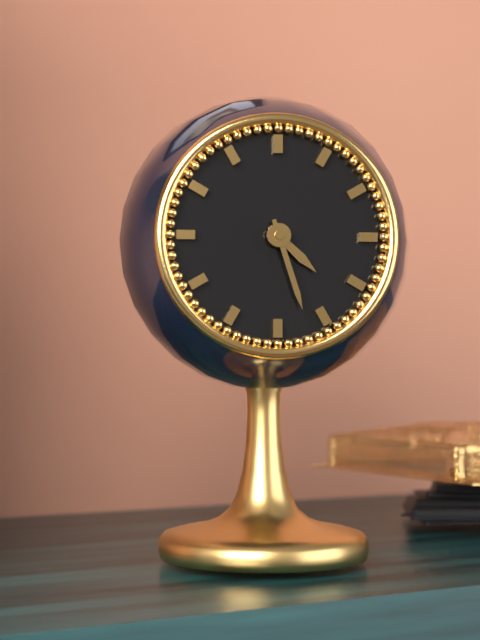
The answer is 4 h 27 min
